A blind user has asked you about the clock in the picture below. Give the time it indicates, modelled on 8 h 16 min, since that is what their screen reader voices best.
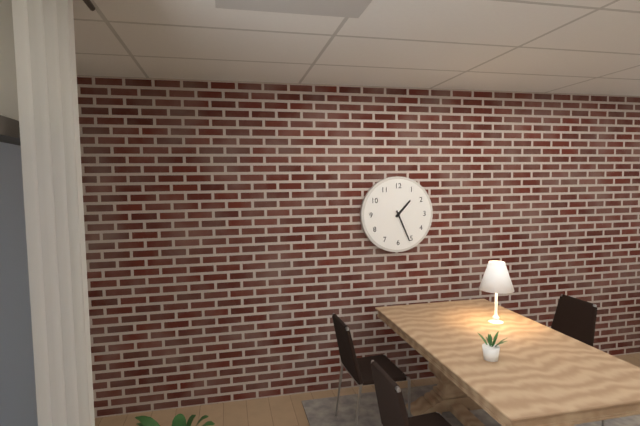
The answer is 1 h 26 min
